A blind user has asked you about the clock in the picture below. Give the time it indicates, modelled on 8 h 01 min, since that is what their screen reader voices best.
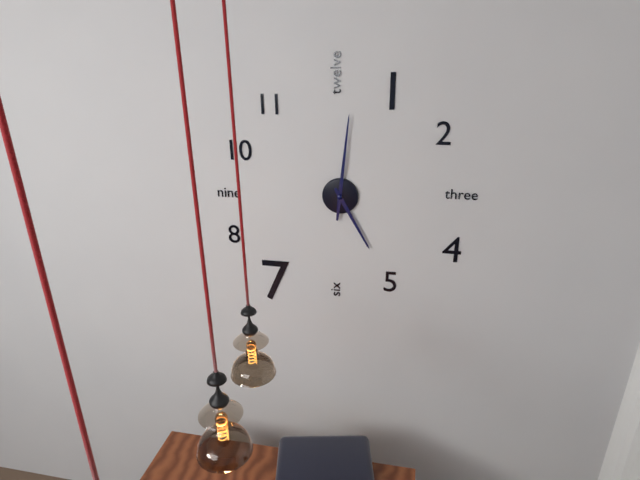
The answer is 5 h 01 min
